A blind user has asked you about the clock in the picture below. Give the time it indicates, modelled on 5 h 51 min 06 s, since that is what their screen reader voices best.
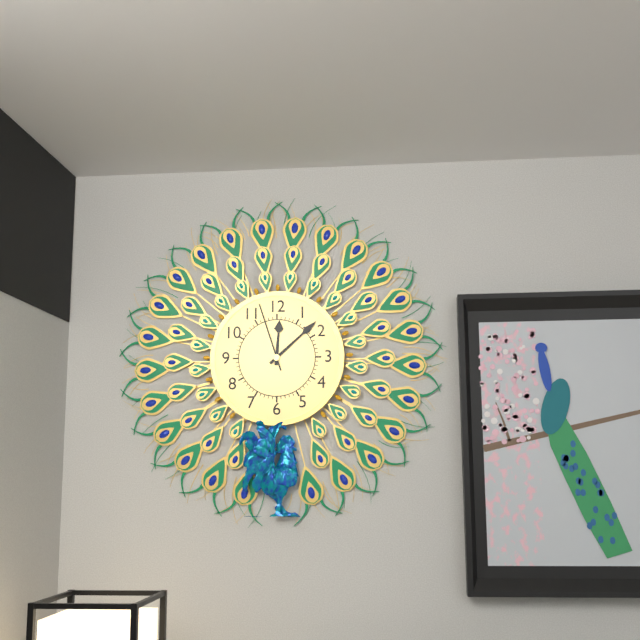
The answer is 12 h 08 min 57 s
